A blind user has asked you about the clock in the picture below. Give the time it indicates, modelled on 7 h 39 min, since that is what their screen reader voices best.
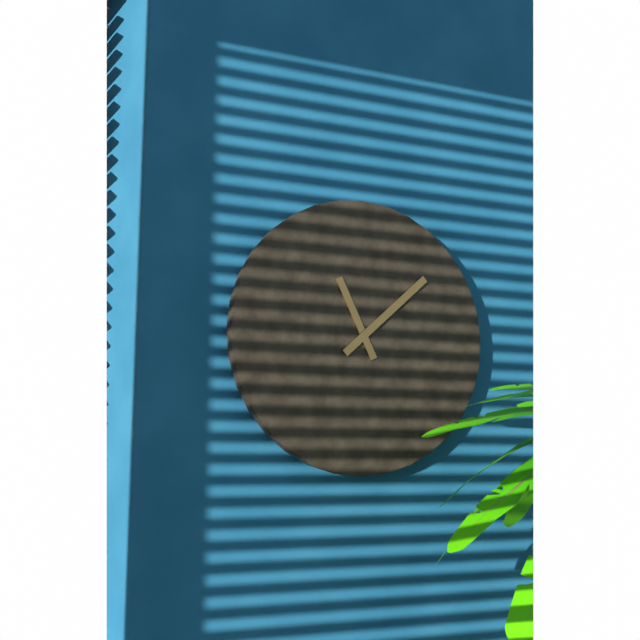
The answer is 11 h 08 min
